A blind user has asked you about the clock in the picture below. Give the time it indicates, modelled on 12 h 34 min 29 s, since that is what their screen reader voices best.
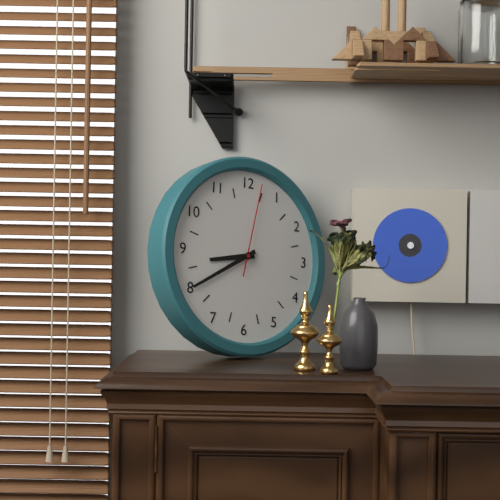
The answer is 8 h 40 min 02 s
